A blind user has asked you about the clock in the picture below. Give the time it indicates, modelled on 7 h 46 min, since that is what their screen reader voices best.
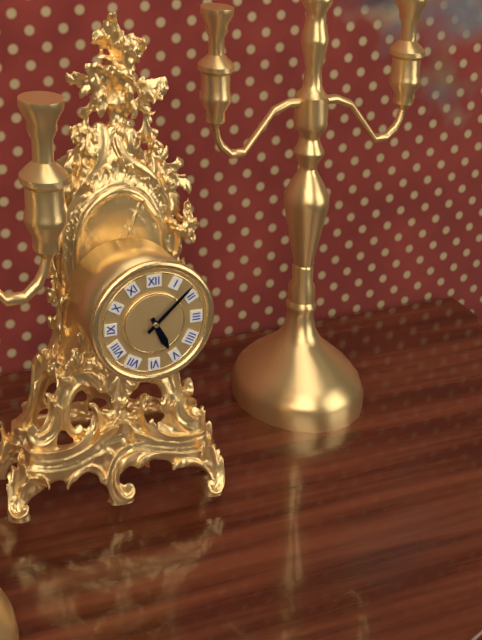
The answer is 5 h 08 min
